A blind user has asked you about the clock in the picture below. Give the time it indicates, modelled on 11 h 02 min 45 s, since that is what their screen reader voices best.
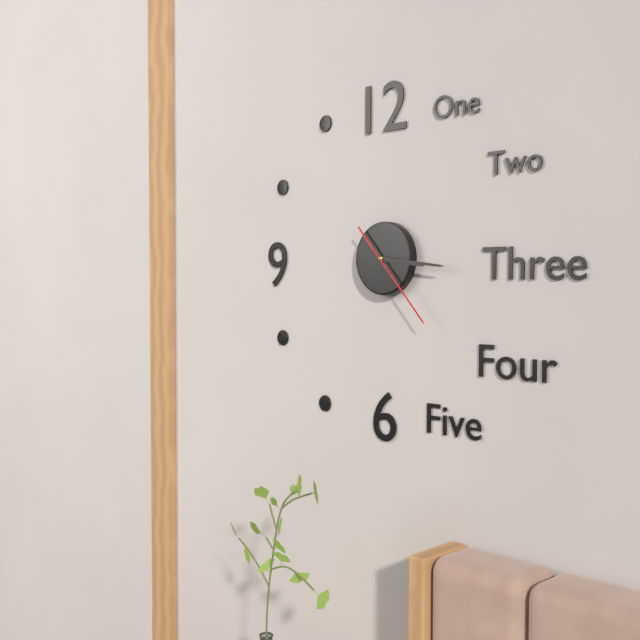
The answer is 3 h 16 min 23 s
